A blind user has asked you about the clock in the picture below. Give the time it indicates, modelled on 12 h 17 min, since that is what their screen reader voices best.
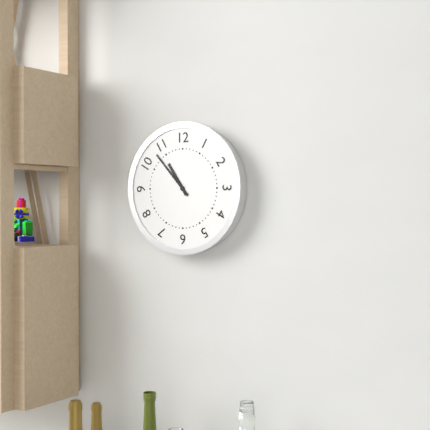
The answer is 10 h 53 min
